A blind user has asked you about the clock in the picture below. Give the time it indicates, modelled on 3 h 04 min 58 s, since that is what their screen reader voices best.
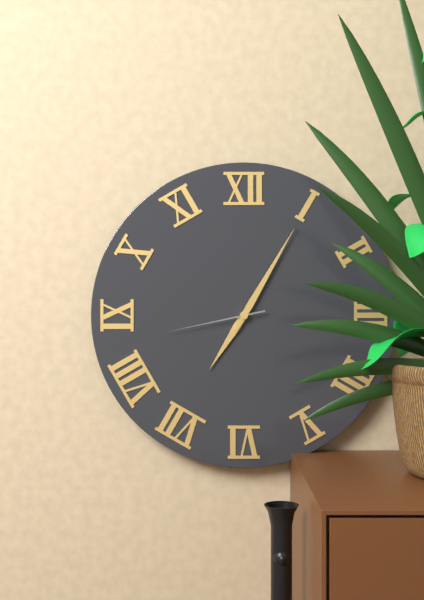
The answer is 7 h 05 min 43 s
